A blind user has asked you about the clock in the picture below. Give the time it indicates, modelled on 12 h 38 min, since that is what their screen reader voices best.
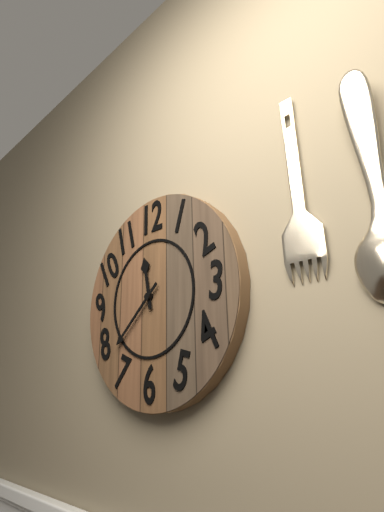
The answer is 11 h 38 min
